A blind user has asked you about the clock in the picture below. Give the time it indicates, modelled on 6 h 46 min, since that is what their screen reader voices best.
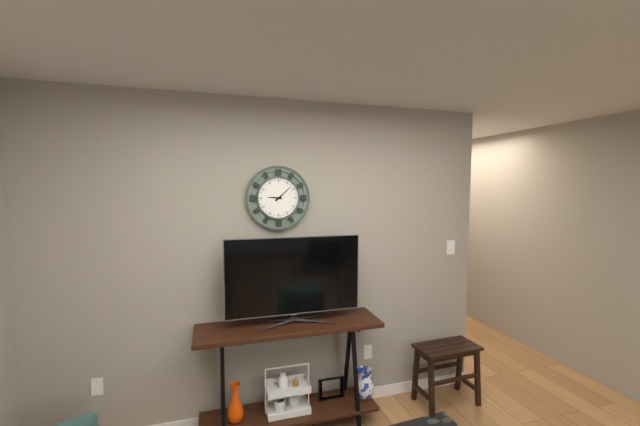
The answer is 9 h 08 min
